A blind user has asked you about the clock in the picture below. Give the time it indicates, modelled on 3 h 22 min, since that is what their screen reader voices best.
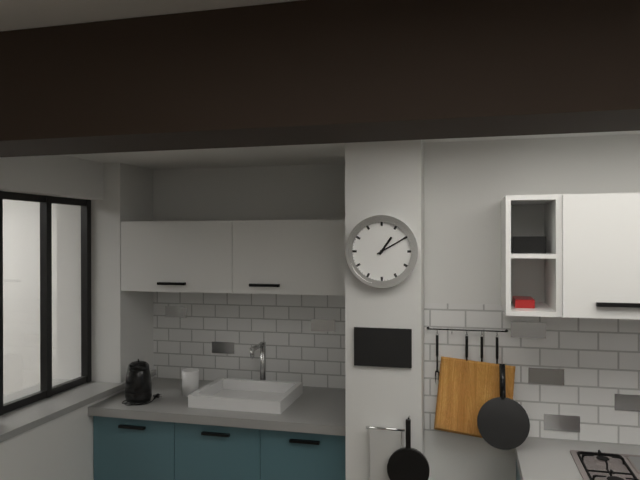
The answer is 1 h 10 min
